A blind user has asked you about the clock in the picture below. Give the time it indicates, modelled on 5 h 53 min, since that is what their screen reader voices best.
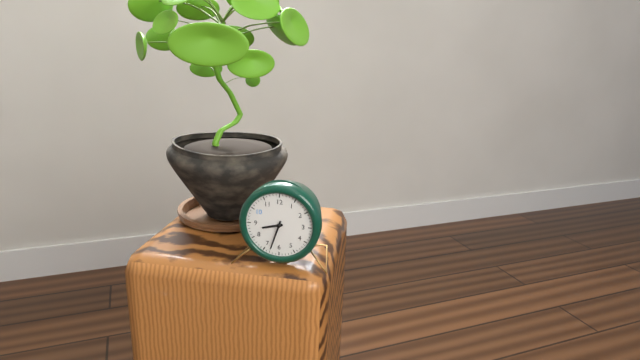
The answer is 8 h 33 min
